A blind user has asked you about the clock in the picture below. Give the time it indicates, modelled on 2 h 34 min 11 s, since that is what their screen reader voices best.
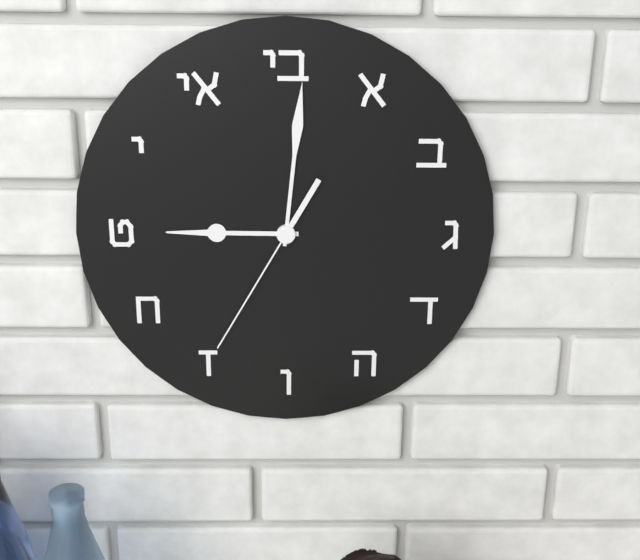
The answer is 9 h 01 min 35 s
